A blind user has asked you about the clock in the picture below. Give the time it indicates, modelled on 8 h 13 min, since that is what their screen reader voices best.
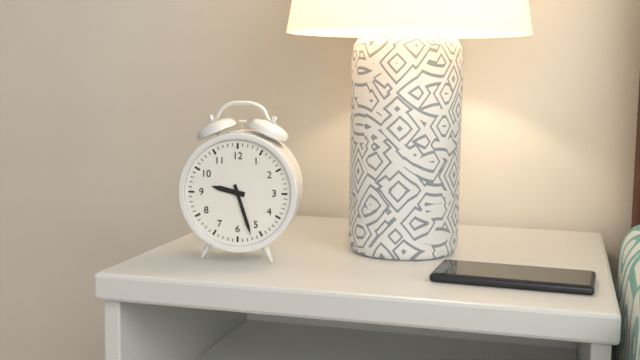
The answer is 9 h 27 min
